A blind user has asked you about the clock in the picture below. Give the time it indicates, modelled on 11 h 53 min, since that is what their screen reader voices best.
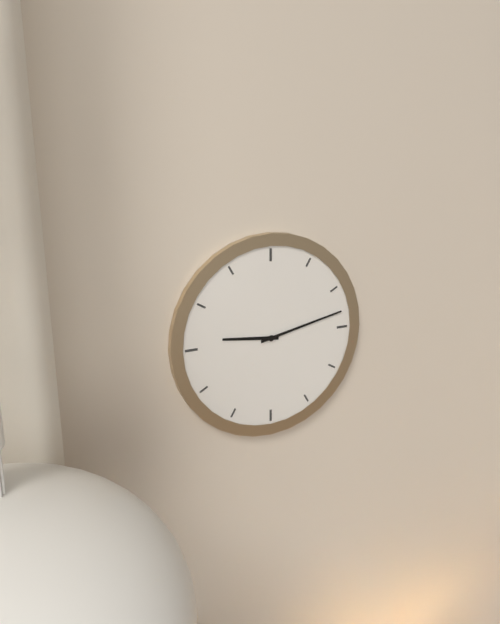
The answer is 9 h 13 min
